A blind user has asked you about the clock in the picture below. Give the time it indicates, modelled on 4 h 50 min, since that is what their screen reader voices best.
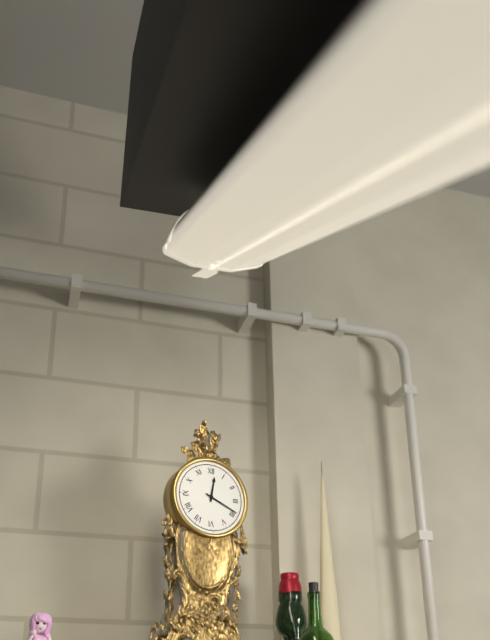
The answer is 12 h 19 min
